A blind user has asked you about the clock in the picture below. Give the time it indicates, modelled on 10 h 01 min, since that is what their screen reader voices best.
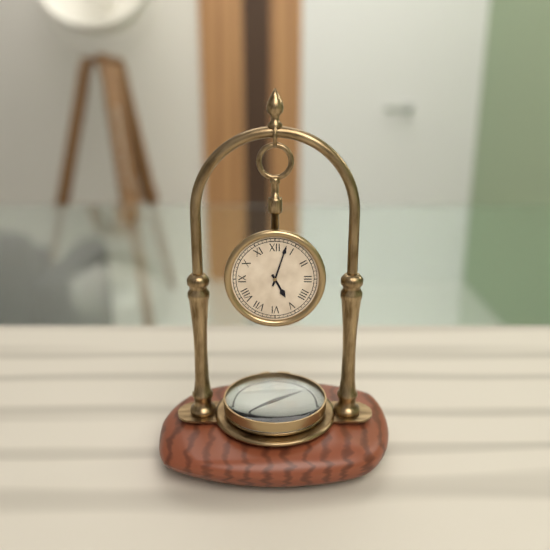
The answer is 5 h 03 min
